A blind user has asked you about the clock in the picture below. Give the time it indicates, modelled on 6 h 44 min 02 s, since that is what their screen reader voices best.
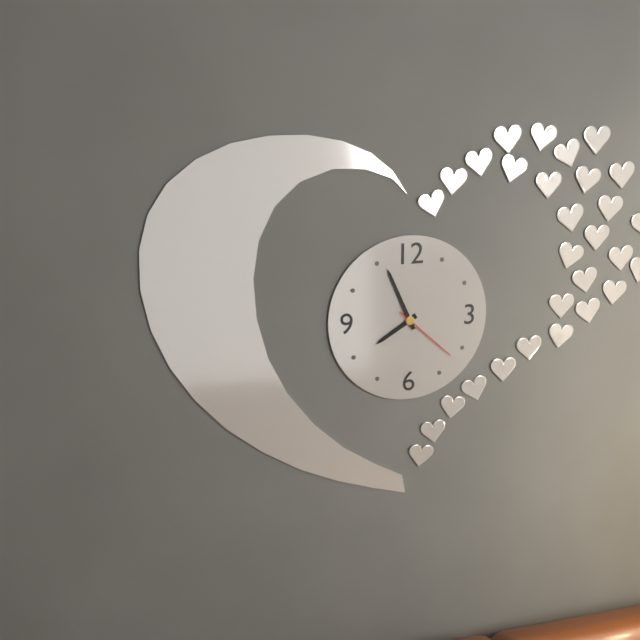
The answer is 7 h 56 min 22 s
